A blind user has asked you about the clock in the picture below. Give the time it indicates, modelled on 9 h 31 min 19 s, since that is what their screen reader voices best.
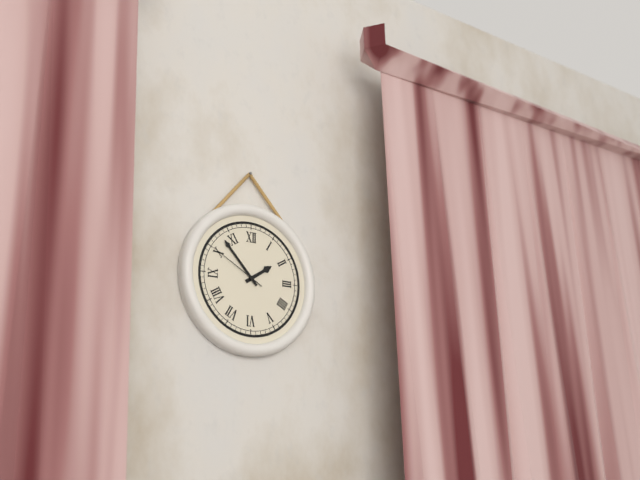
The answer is 1 h 53 min 50 s
